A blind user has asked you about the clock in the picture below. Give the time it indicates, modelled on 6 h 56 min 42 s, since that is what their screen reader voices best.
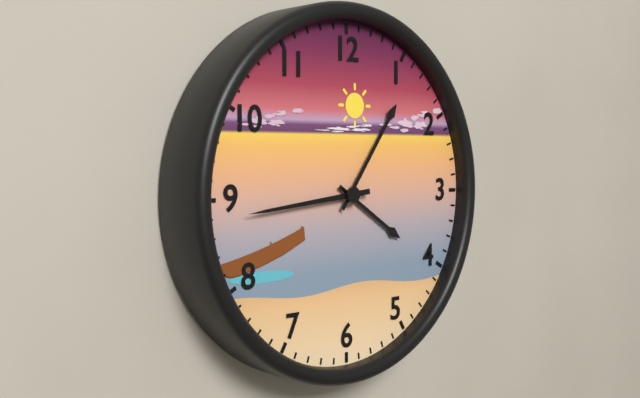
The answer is 4 h 06 min 44 s
